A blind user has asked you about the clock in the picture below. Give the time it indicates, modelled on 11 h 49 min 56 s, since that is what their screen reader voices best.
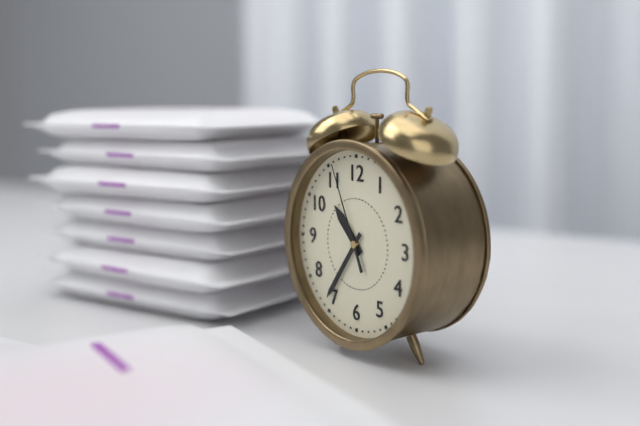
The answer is 10 h 36 min 56 s
